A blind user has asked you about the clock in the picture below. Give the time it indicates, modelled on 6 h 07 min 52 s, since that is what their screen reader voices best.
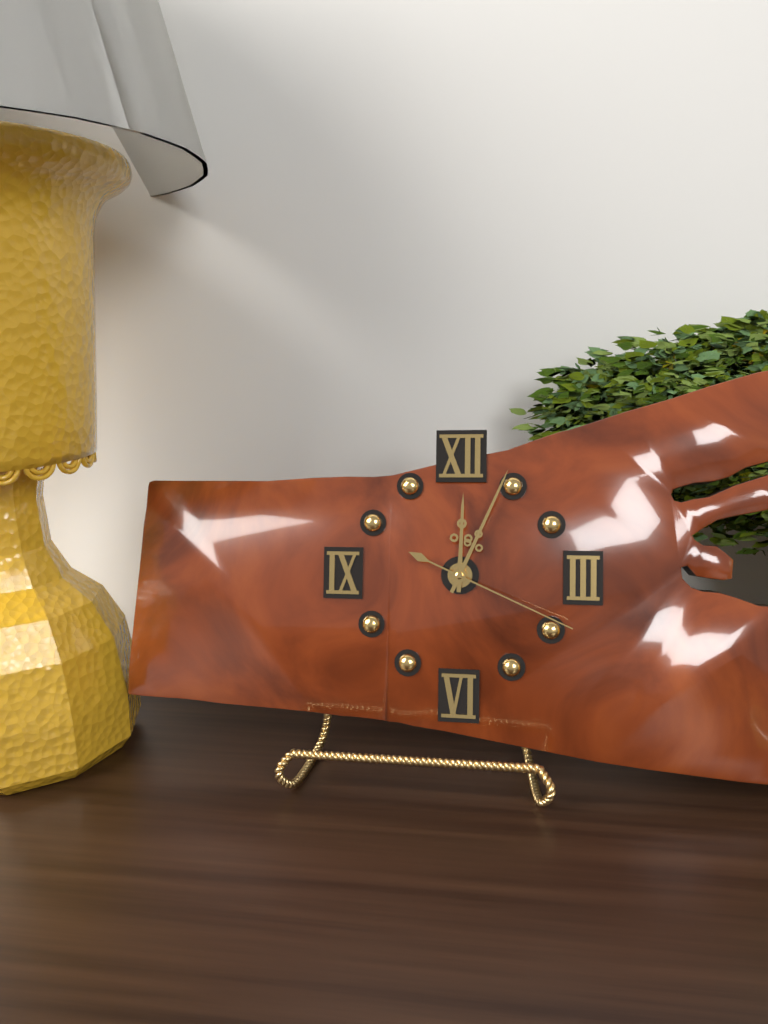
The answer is 12 h 04 min 19 s
